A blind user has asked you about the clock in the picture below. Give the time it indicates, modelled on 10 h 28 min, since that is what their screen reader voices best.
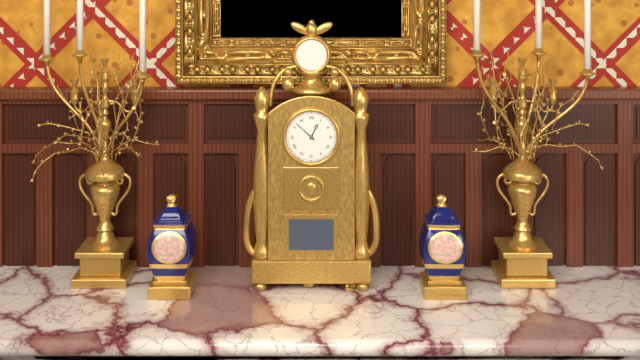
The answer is 12 h 52 min
